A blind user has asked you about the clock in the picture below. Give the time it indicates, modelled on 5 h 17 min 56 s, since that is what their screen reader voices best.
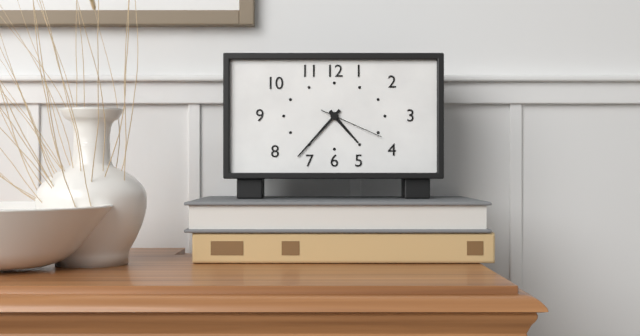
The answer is 4 h 37 min 19 s
